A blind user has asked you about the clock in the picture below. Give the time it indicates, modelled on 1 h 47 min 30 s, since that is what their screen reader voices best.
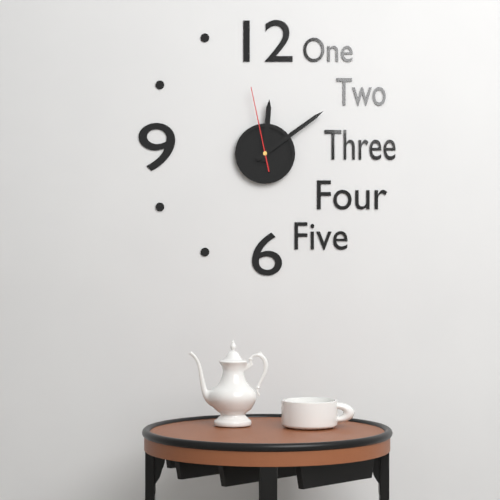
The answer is 12 h 09 min 58 s
